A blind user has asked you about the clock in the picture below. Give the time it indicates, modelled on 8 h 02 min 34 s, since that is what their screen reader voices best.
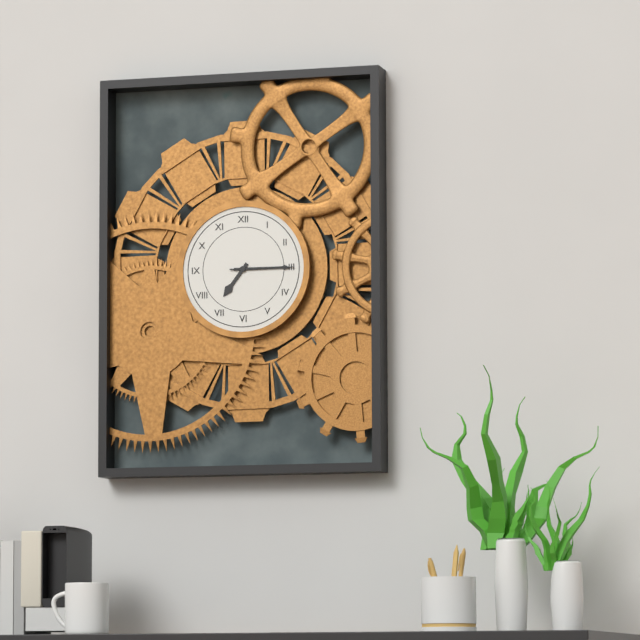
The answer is 7 h 15 min 15 s
